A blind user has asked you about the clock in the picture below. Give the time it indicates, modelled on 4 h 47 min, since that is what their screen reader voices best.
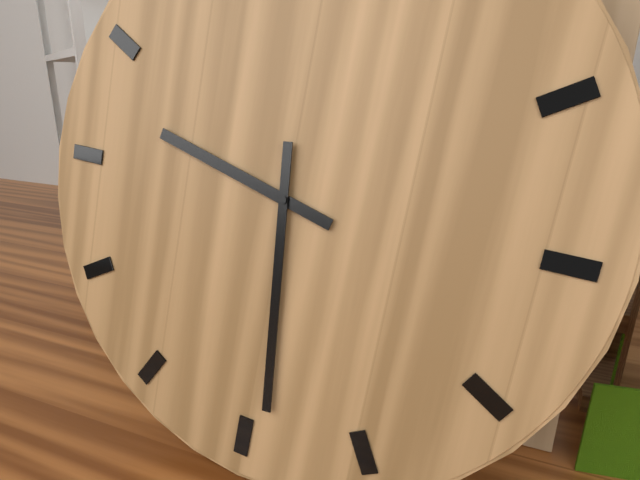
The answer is 9 h 29 min
